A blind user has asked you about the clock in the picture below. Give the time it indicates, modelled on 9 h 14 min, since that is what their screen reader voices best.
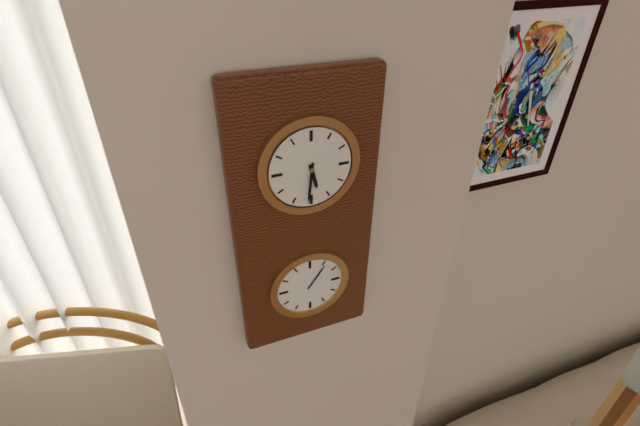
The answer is 5 h 31 min
